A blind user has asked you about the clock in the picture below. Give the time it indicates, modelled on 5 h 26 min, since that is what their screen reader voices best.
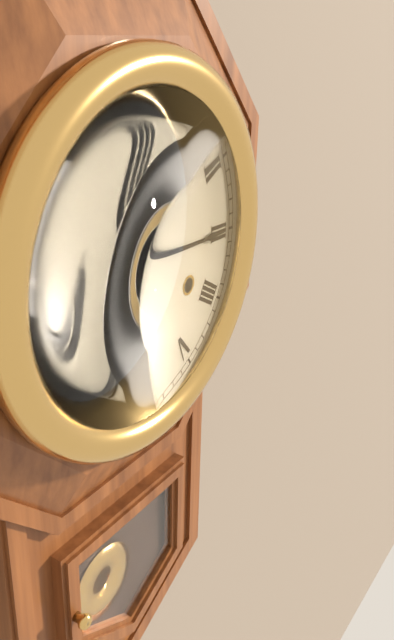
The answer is 8 h 15 min
